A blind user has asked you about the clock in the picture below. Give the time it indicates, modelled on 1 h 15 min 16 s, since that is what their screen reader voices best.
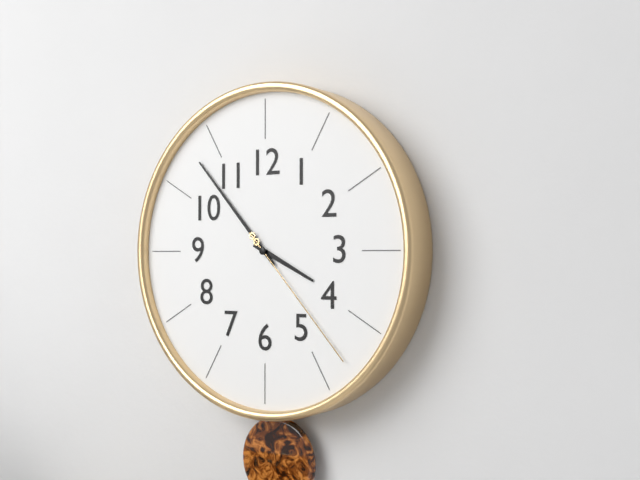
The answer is 3 h 53 min 23 s
